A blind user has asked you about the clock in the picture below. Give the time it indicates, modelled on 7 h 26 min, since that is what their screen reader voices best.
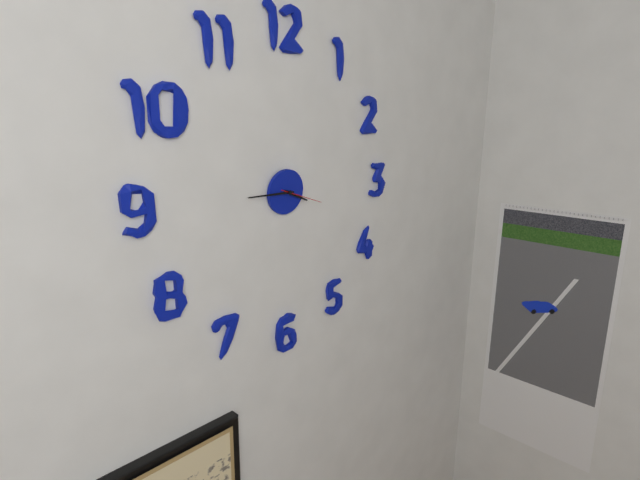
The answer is 3 h 45 min
